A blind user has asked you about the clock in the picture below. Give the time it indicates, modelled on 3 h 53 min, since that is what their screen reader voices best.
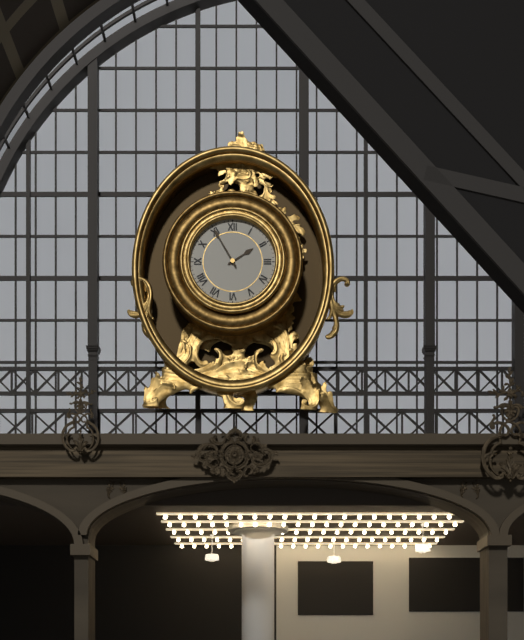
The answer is 1 h 55 min
